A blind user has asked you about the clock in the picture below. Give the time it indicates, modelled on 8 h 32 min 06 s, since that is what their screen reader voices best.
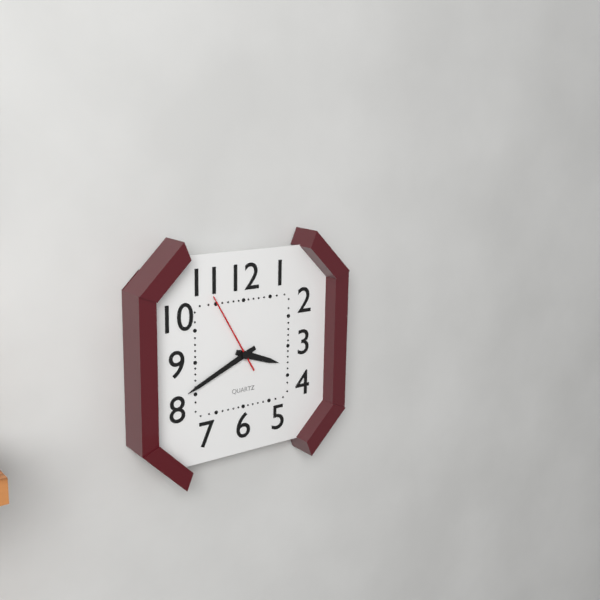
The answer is 3 h 41 min 55 s
